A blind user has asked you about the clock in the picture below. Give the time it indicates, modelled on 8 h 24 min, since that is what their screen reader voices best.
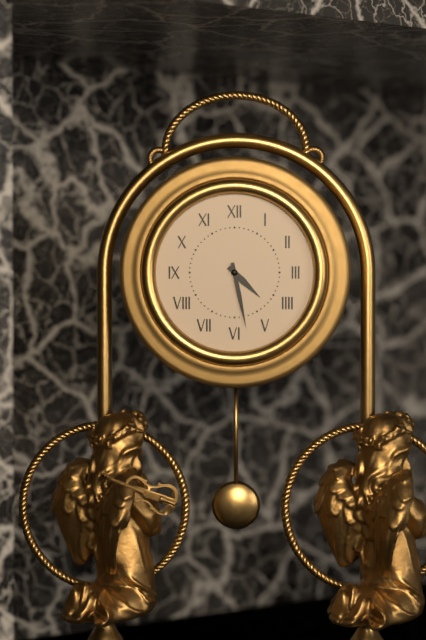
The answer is 4 h 28 min
